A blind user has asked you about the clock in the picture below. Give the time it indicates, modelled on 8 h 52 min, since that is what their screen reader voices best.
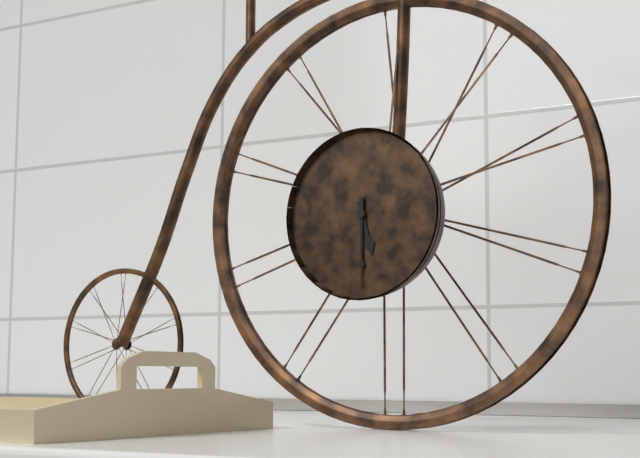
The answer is 5 h 30 min
